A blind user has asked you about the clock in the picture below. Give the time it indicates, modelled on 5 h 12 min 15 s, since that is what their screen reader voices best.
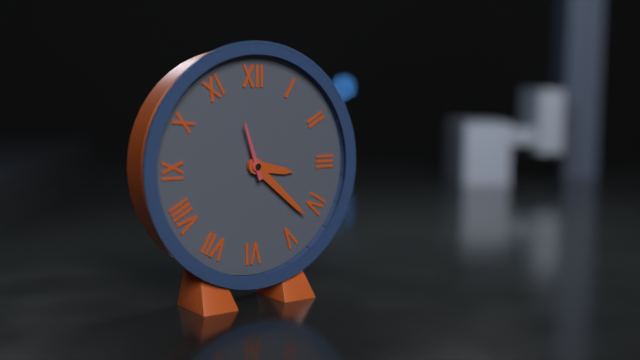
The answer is 3 h 22 min 57 s
